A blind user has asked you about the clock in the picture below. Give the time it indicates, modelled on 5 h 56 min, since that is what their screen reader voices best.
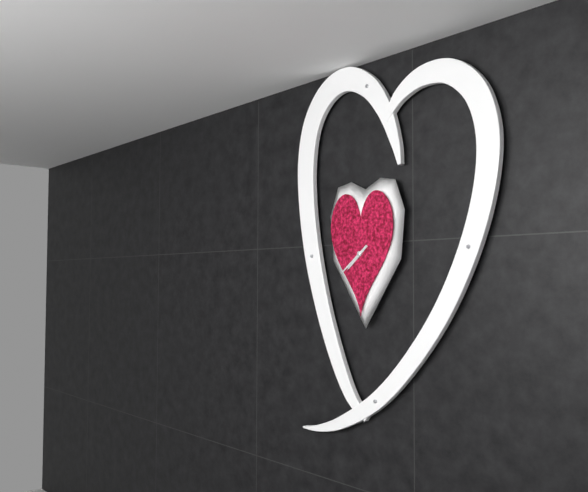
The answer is 7 h 39 min
